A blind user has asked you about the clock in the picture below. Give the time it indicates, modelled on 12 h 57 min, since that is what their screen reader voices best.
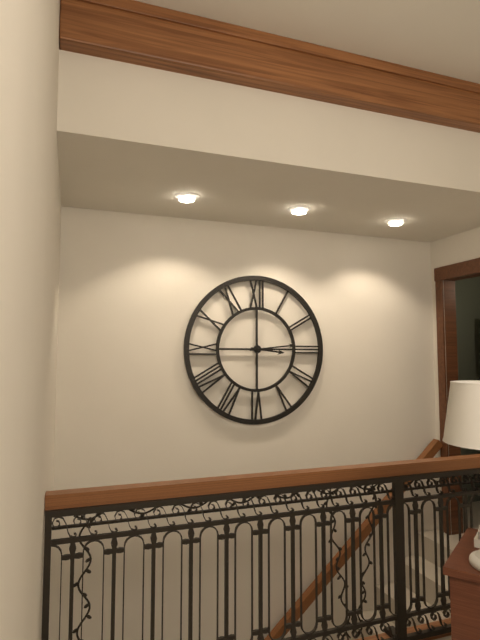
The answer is 3 h 14 min
